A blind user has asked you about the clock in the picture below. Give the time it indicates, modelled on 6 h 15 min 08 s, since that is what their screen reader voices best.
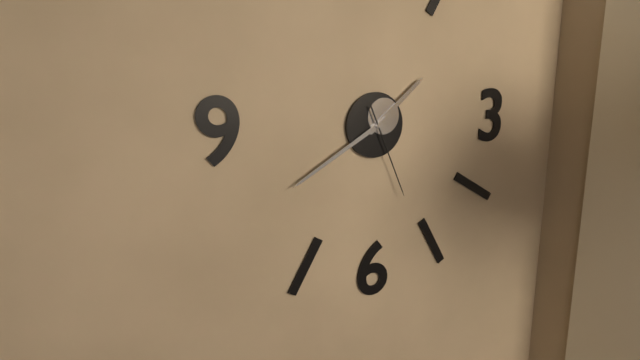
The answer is 1 h 40 min 26 s
